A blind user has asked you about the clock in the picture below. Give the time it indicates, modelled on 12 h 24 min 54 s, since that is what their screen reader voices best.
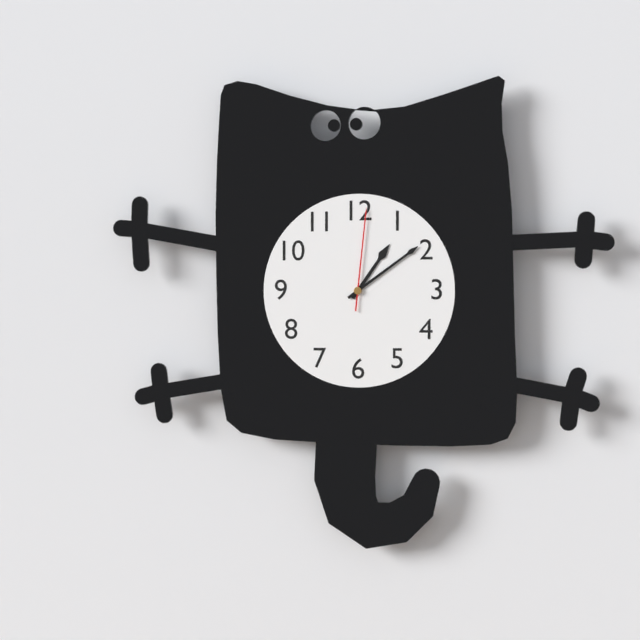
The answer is 1 h 09 min 01 s
